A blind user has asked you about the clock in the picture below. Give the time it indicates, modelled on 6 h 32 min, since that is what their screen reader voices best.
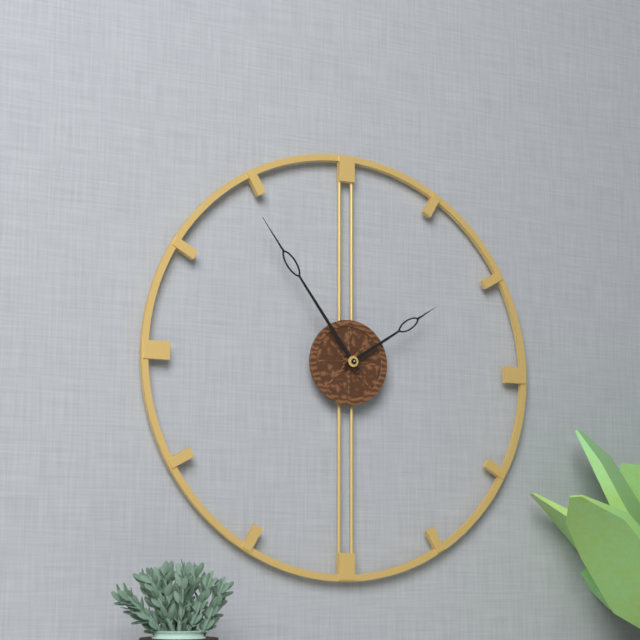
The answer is 1 h 54 min
